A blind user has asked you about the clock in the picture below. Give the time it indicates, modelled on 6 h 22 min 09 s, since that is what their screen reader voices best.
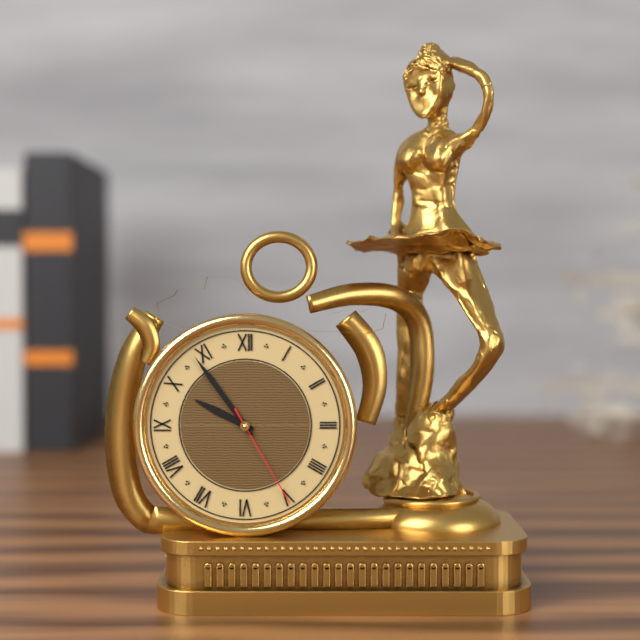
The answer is 9 h 54 min 25 s
